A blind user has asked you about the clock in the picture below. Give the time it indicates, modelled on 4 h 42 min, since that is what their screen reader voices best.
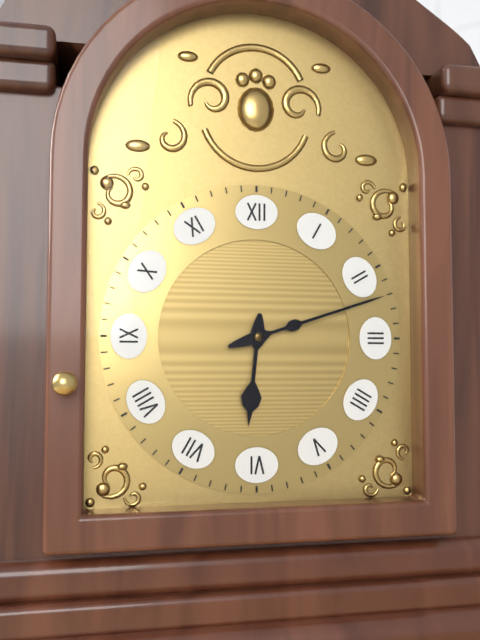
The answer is 6 h 12 min
